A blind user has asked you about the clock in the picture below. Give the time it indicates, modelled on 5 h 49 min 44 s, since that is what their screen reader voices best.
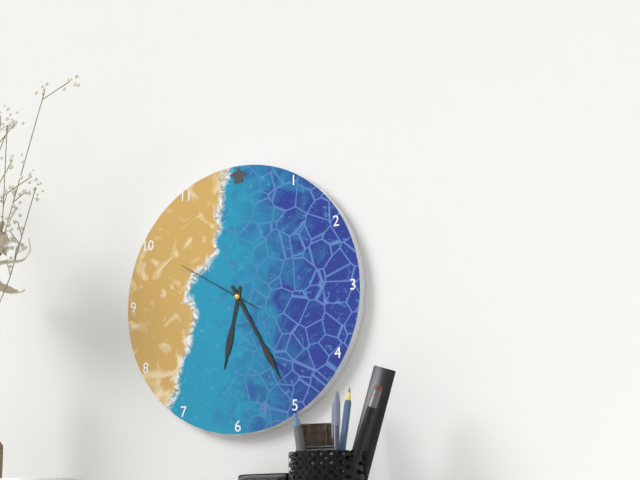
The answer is 6 h 25 min 50 s
